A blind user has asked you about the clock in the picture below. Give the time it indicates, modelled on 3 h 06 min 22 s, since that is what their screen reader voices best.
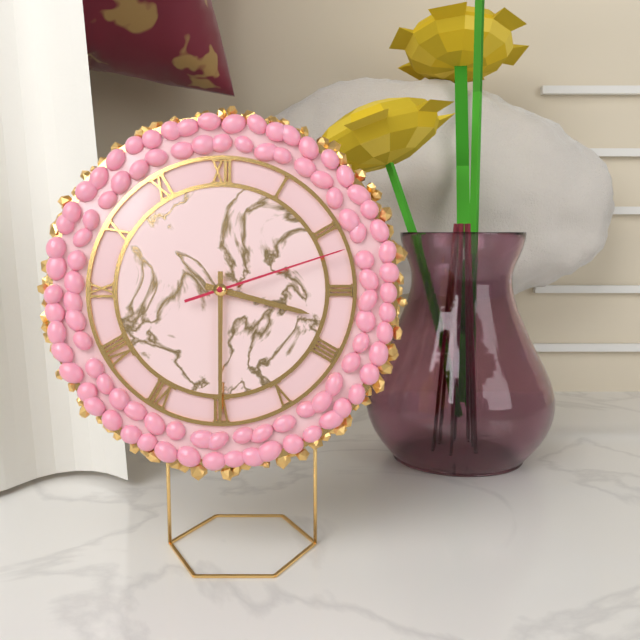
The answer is 3 h 30 min 12 s
